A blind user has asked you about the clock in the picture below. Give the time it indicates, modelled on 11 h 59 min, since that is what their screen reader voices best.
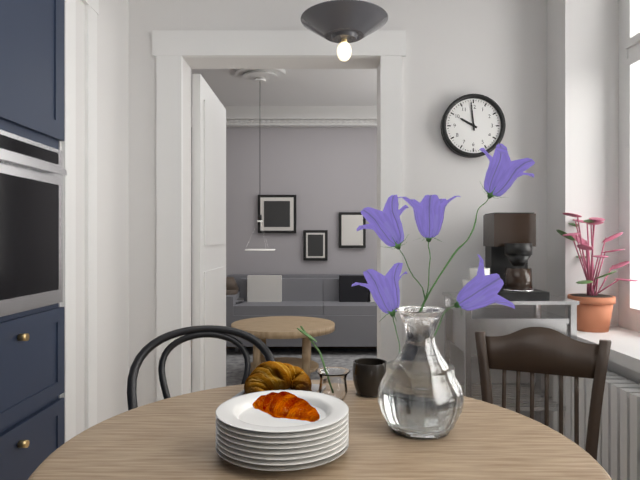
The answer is 9 h 59 min
